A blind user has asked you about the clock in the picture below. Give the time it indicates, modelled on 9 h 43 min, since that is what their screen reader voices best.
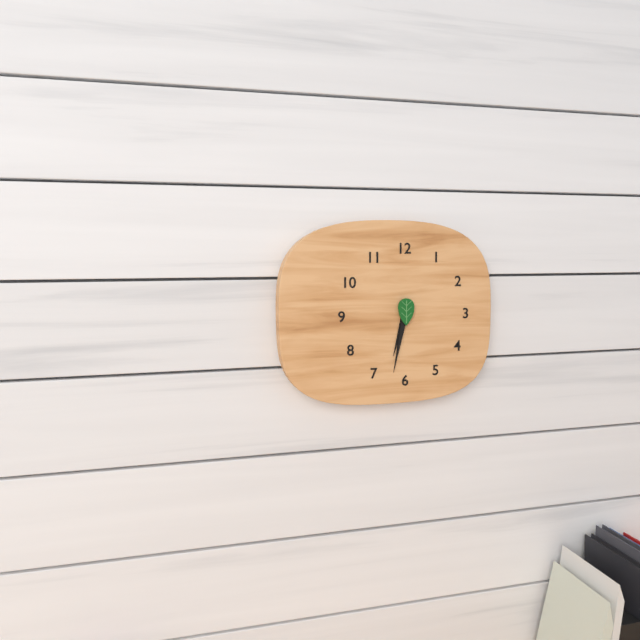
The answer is 6 h 32 min
